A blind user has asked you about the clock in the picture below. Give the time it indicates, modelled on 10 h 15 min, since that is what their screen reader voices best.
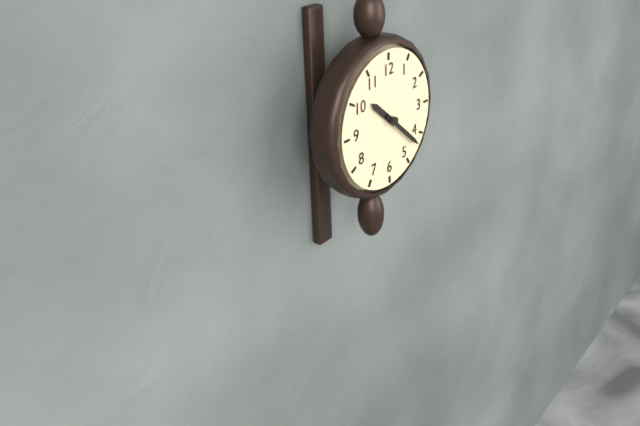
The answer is 10 h 22 min
